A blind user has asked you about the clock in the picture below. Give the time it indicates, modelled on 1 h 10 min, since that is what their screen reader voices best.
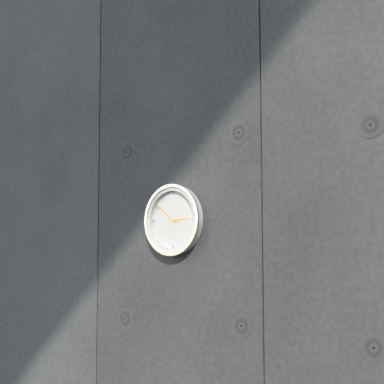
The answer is 2 h 51 min
